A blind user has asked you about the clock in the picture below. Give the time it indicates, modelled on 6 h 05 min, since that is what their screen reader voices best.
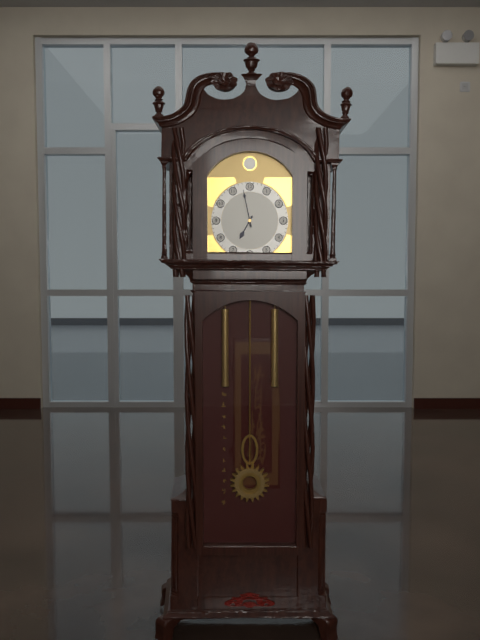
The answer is 6 h 58 min
